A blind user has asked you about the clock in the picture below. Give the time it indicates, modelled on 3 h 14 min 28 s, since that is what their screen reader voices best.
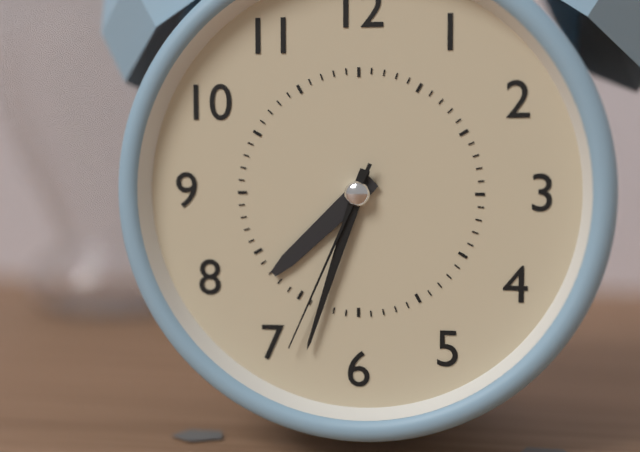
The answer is 7 h 33 min 34 s
